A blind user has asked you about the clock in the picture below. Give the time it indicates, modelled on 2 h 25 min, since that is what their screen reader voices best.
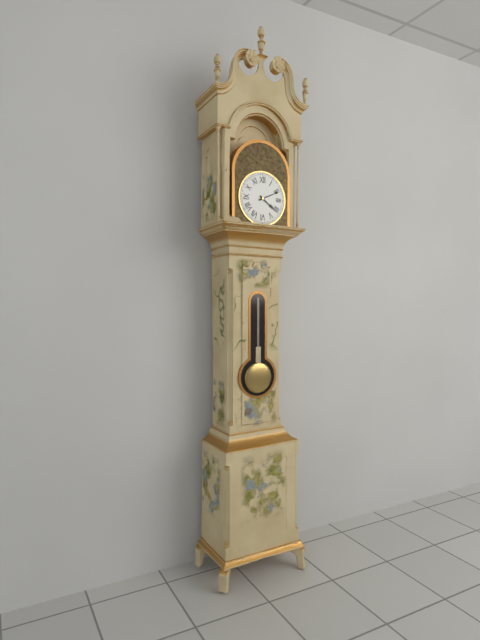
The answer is 4 h 11 min
